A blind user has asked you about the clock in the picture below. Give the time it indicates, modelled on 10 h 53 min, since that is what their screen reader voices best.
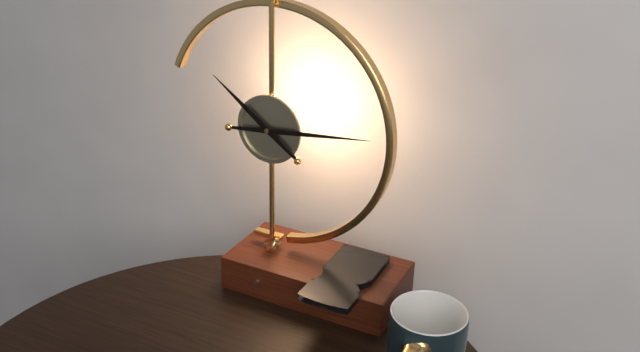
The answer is 10 h 14 min
